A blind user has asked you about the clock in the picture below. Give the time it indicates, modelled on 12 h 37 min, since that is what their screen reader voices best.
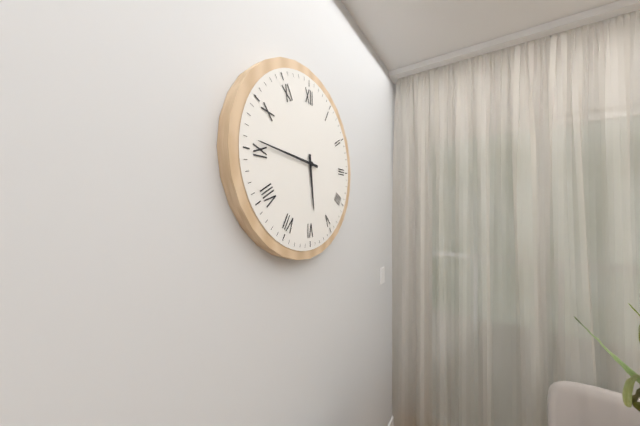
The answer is 5 h 46 min
